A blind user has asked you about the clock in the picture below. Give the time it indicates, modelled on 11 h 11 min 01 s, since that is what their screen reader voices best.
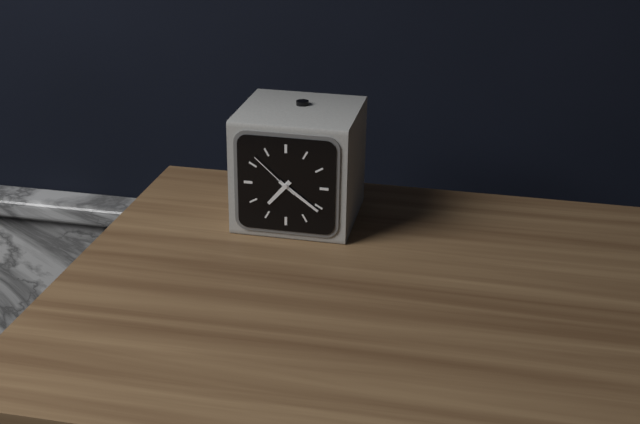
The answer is 7 h 21 min 52 s
